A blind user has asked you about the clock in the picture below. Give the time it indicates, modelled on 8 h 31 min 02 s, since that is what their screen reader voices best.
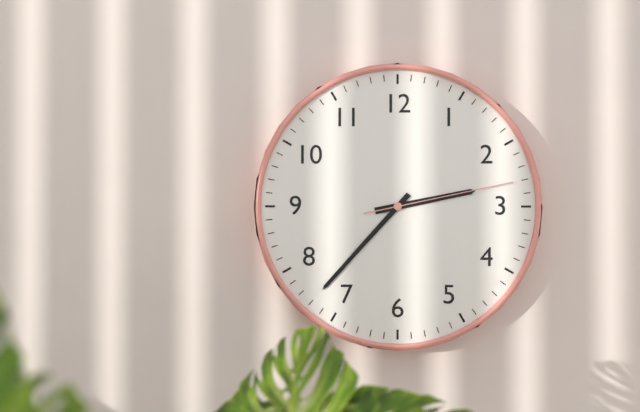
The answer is 2 h 37 min 13 s
